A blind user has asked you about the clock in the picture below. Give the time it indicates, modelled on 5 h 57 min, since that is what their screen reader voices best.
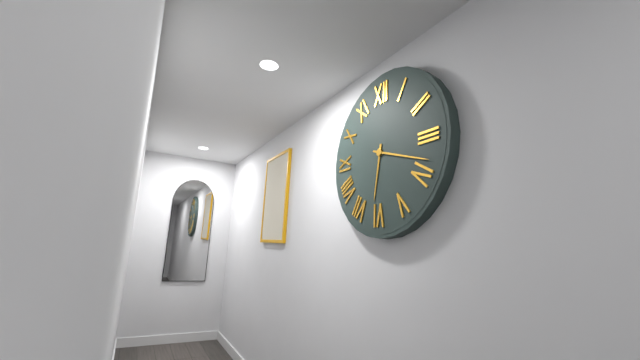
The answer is 6 h 18 min
